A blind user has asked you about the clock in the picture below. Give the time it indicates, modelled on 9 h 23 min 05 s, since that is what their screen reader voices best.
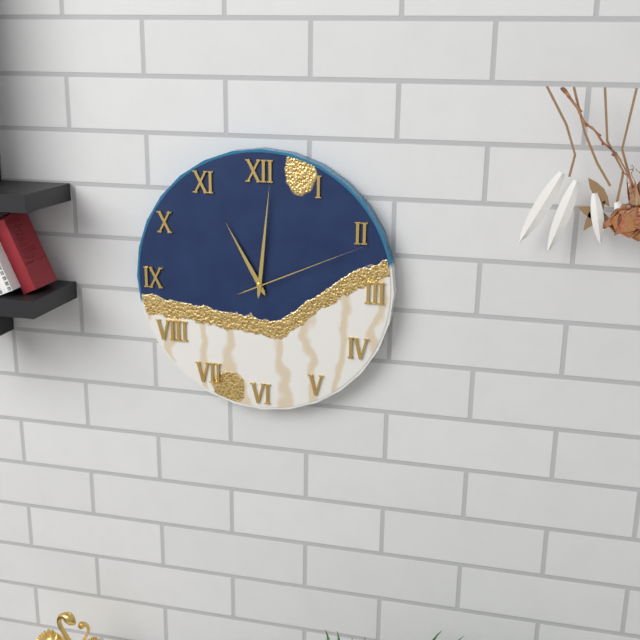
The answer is 11 h 01 min 11 s
